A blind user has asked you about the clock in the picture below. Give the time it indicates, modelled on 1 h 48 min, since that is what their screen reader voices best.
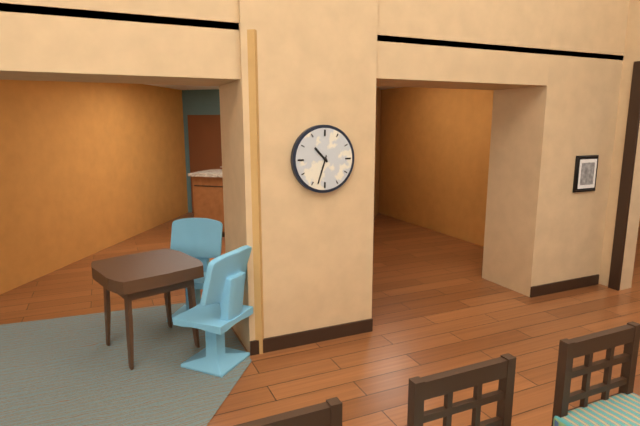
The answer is 10 h 33 min
